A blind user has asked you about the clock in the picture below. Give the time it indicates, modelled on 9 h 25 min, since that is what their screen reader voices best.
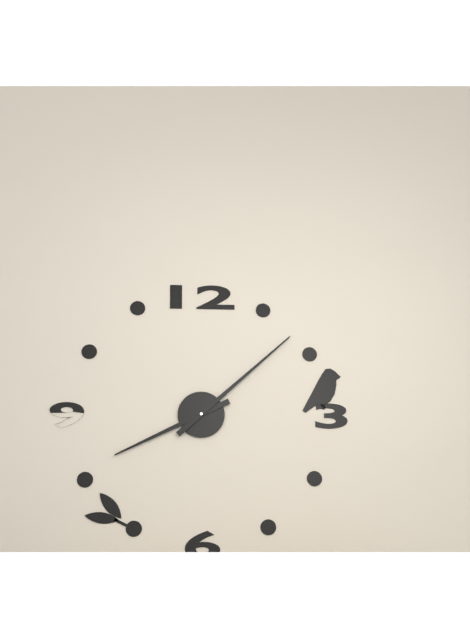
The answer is 8 h 08 min
